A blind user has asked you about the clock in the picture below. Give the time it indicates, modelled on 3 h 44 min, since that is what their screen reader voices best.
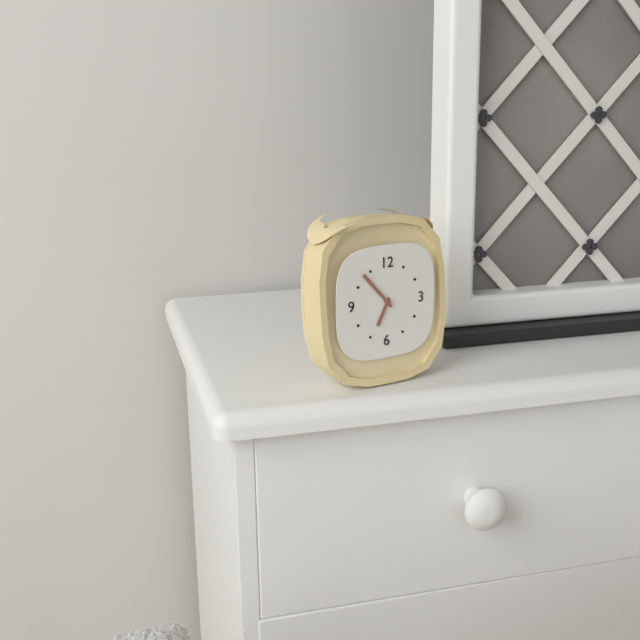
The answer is 6 h 53 min
